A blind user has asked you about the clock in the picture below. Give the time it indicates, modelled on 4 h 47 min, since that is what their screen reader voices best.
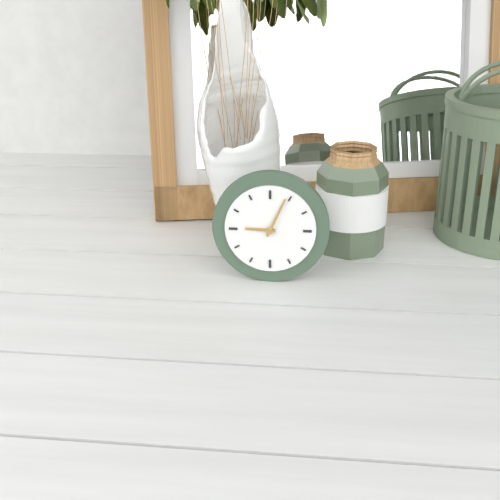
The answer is 9 h 04 min
